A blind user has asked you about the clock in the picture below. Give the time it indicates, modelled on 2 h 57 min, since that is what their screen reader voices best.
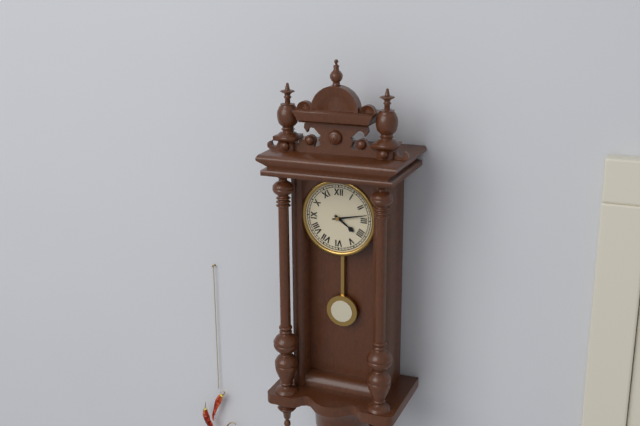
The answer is 4 h 13 min
